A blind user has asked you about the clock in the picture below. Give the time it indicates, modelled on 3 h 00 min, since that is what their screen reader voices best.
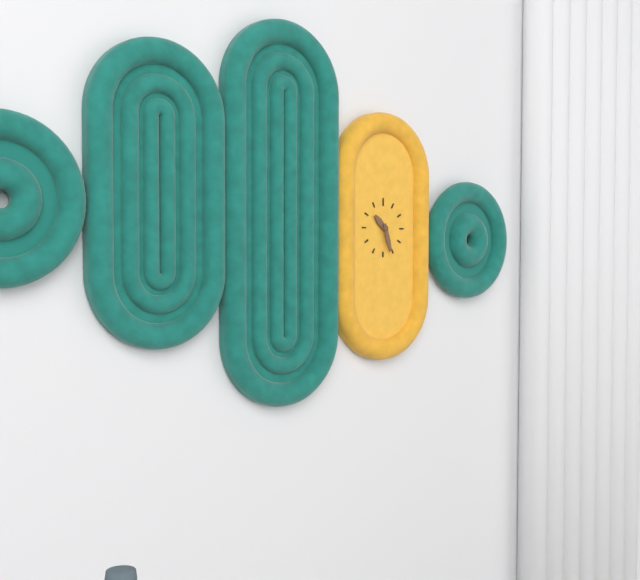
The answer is 10 h 27 min
